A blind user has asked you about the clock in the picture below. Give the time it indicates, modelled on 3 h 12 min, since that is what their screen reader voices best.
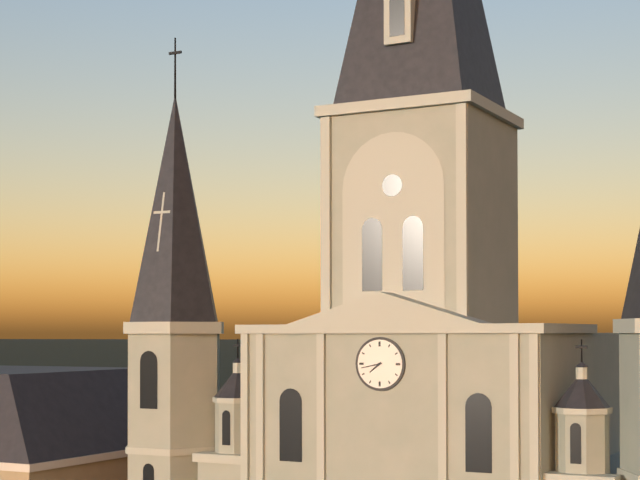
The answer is 7 h 43 min
